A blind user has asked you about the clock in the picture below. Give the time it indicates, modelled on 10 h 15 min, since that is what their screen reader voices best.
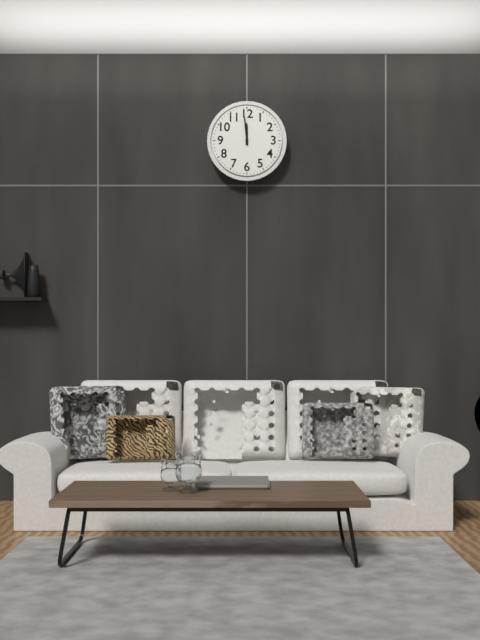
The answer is 11 h 59 min
